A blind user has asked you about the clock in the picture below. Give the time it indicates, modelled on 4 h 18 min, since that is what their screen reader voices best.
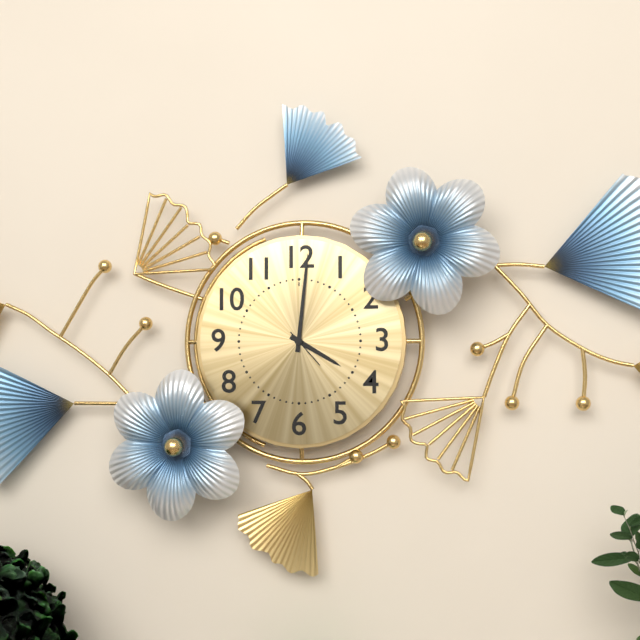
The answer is 4 h 01 min
